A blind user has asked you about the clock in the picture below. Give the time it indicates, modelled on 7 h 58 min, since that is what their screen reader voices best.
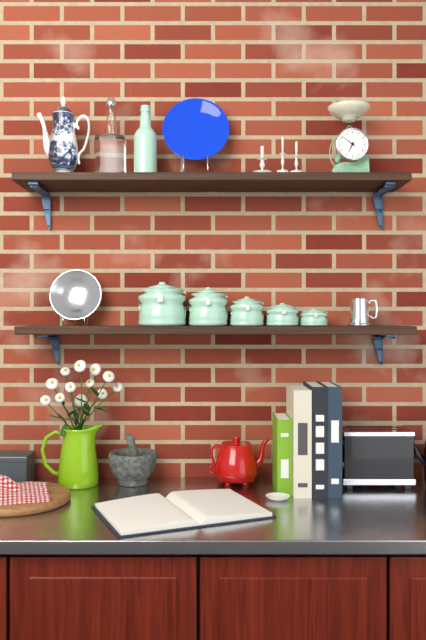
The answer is 6 h 51 min
